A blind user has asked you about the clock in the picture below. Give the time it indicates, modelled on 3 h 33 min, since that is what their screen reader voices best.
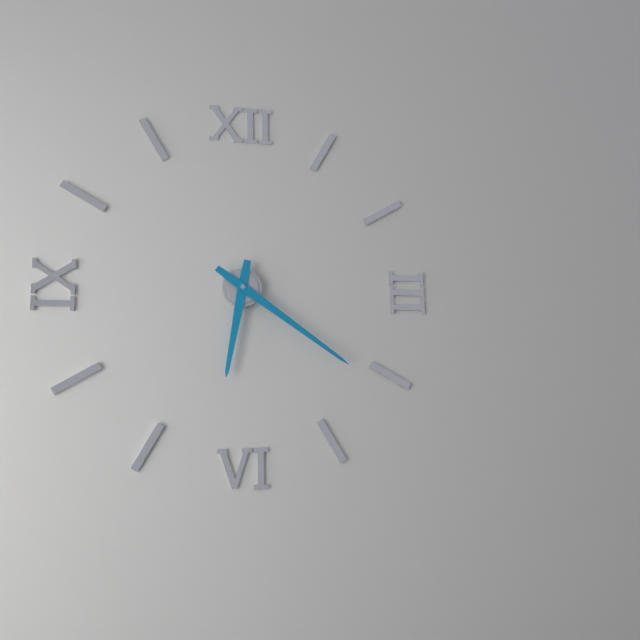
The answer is 6 h 21 min
